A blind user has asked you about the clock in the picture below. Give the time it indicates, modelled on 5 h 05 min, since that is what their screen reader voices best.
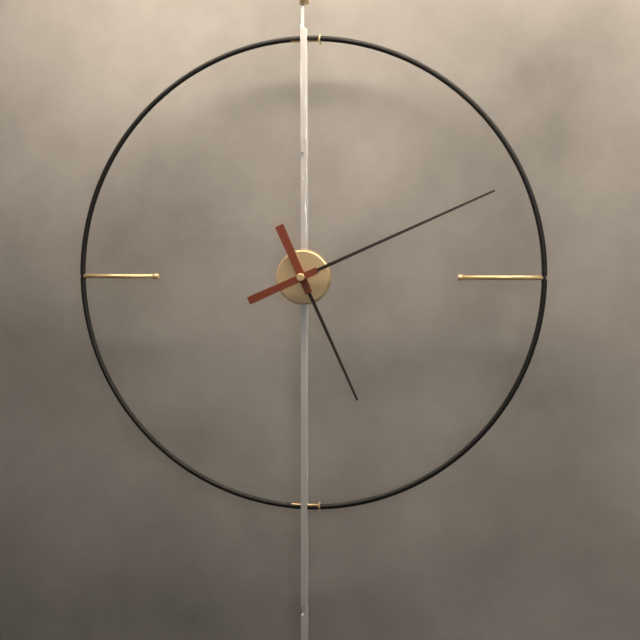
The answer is 5 h 11 min
